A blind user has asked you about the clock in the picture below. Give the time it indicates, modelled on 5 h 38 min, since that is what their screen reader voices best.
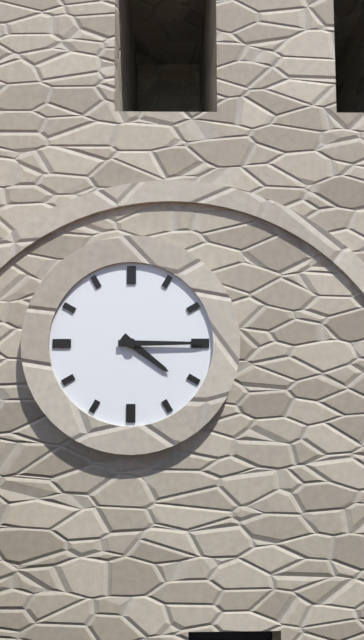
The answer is 4 h 15 min
